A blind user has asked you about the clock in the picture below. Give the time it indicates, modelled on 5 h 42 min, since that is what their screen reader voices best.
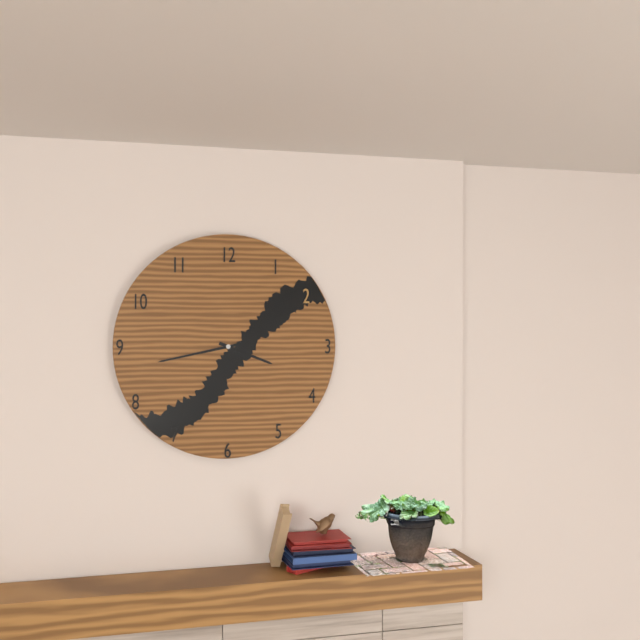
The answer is 3 h 43 min
